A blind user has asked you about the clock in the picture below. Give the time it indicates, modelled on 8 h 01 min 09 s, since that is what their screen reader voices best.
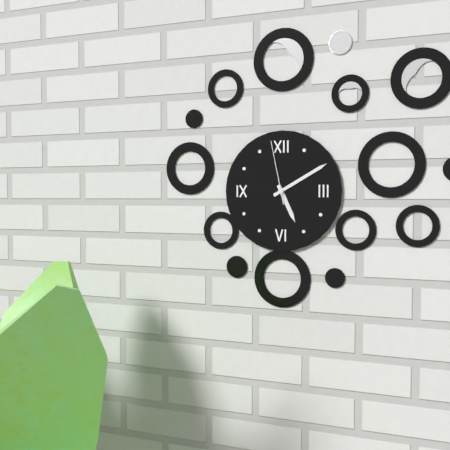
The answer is 5 h 10 min 58 s
